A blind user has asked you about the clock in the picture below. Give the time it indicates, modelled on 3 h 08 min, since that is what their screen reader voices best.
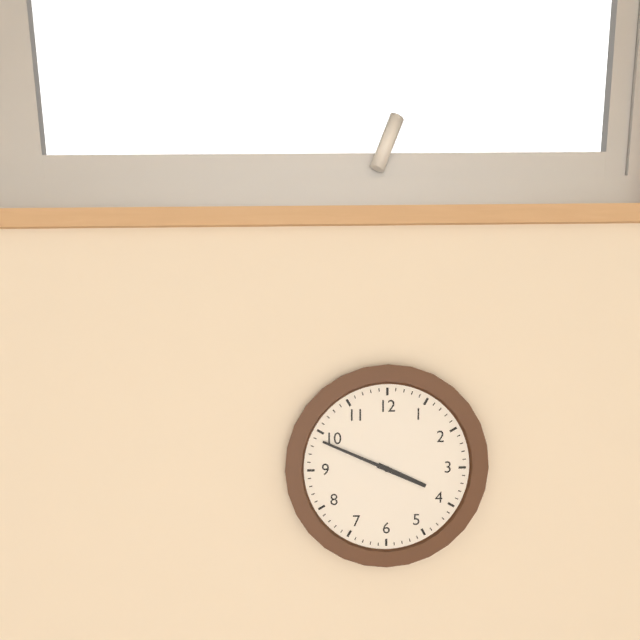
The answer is 3 h 49 min
